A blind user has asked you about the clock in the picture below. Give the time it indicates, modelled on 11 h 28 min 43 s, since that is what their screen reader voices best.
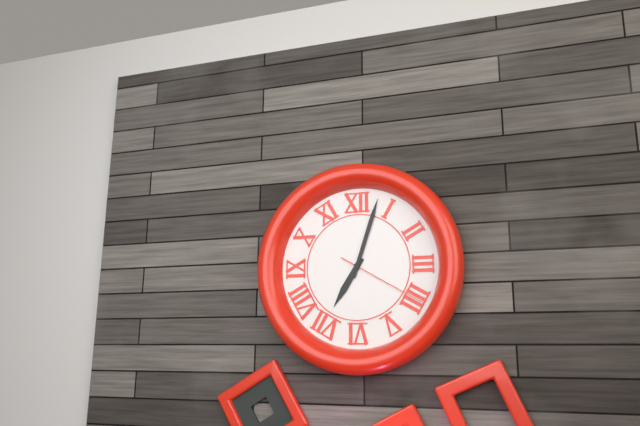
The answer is 7 h 03 min 20 s
